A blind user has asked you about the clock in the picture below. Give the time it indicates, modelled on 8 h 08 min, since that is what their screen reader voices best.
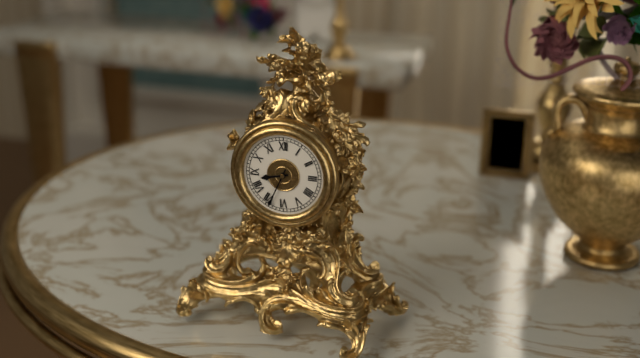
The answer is 8 h 34 min
